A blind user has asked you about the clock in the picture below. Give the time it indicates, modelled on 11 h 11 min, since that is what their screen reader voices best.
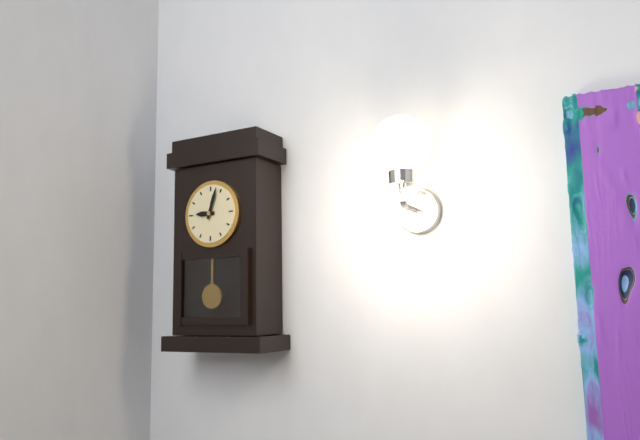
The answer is 9 h 03 min
